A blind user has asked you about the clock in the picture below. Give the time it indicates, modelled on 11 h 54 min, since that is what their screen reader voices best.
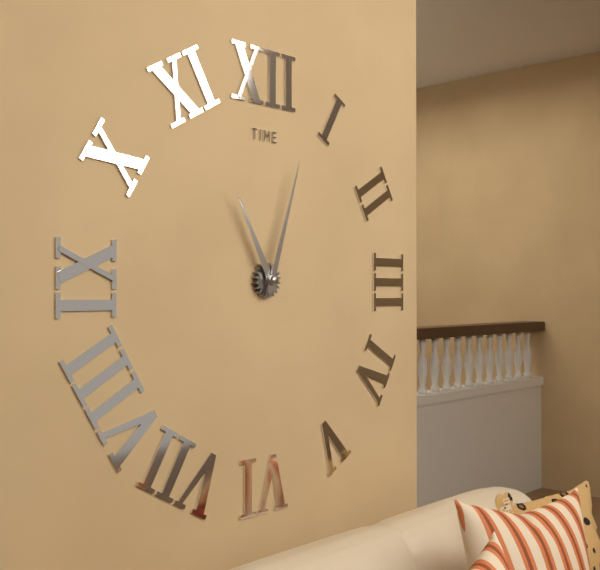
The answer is 11 h 03 min
